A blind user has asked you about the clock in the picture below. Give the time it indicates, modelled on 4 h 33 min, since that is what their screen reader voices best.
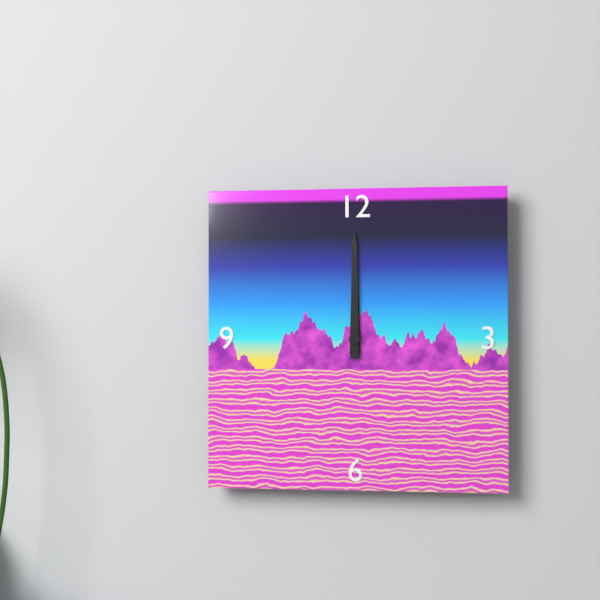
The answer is 12 h 00 min
